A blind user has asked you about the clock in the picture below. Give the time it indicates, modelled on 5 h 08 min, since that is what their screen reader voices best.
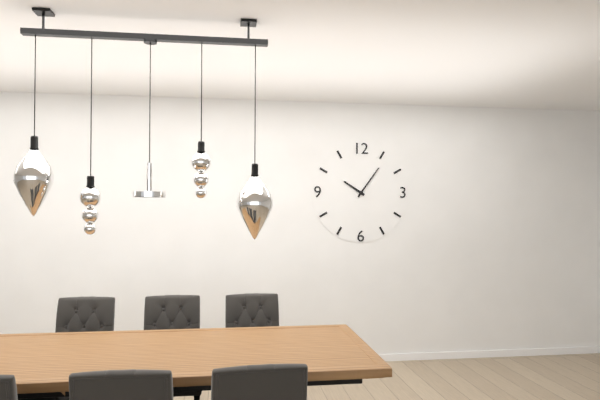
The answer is 10 h 06 min
